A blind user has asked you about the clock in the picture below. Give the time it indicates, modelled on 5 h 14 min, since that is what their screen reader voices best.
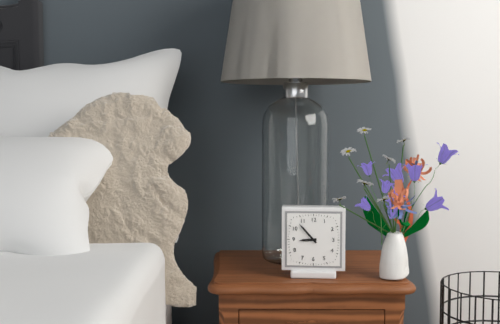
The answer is 8 h 53 min
